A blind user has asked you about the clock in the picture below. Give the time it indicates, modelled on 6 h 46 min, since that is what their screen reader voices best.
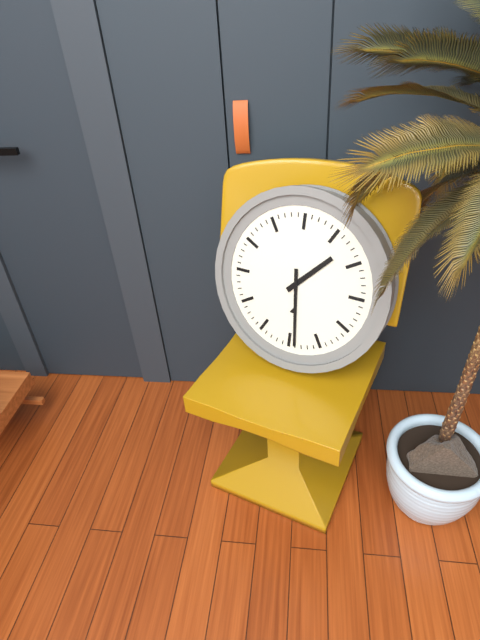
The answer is 1 h 29 min
